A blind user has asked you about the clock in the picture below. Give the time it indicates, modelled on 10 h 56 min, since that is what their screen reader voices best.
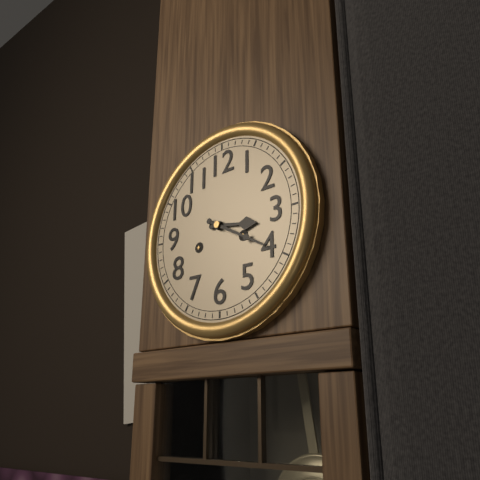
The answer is 3 h 20 min
